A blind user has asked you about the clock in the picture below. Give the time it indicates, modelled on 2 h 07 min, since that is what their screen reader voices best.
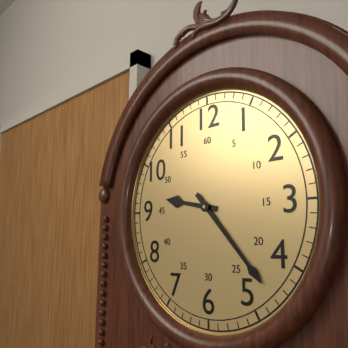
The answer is 9 h 23 min
